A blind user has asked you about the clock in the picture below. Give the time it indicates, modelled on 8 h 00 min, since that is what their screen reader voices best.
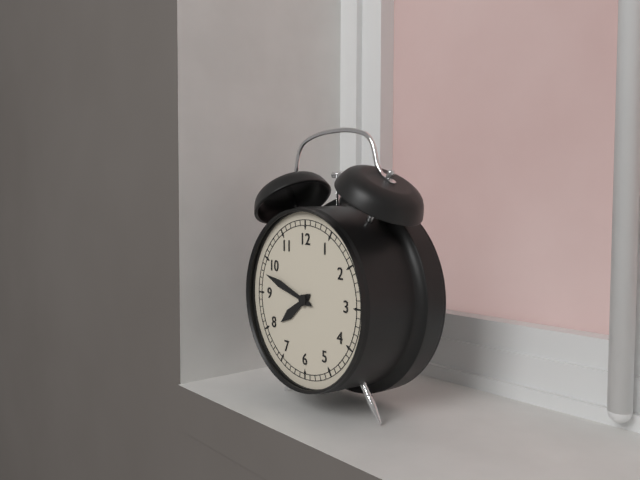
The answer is 7 h 48 min
